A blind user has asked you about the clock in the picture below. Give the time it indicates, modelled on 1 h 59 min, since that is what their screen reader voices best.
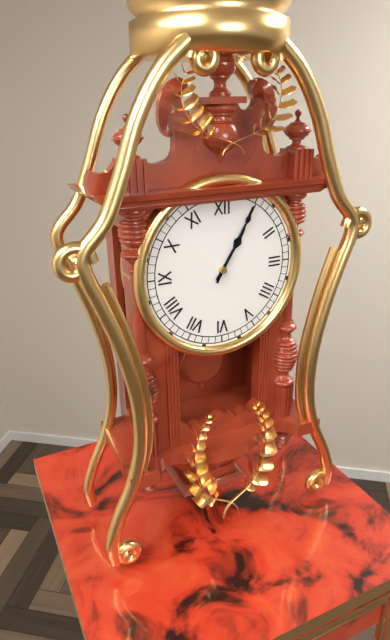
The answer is 1 h 05 min
